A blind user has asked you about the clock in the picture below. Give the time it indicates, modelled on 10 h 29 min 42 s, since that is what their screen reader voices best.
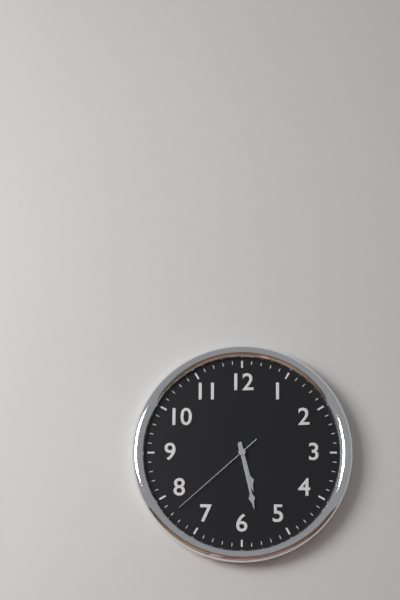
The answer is 5 h 28 min 38 s
